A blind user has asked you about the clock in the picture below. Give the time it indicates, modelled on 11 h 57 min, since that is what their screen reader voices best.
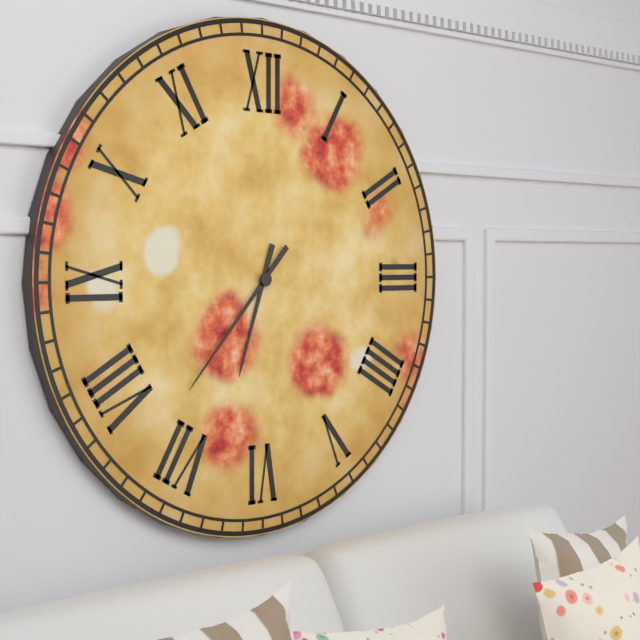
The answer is 6 h 37 min
